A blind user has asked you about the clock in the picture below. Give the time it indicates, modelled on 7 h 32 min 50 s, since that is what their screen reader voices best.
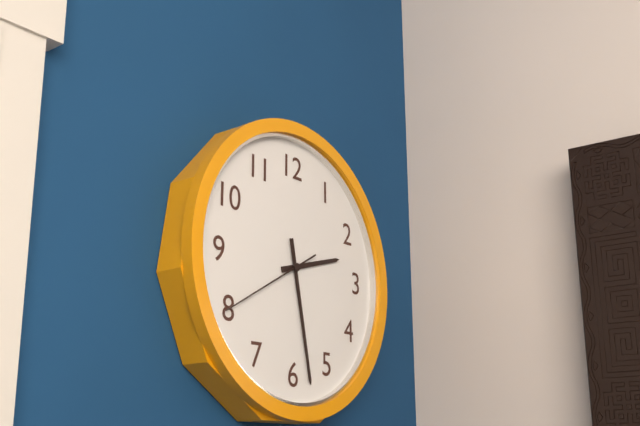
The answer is 2 h 28 min 40 s
